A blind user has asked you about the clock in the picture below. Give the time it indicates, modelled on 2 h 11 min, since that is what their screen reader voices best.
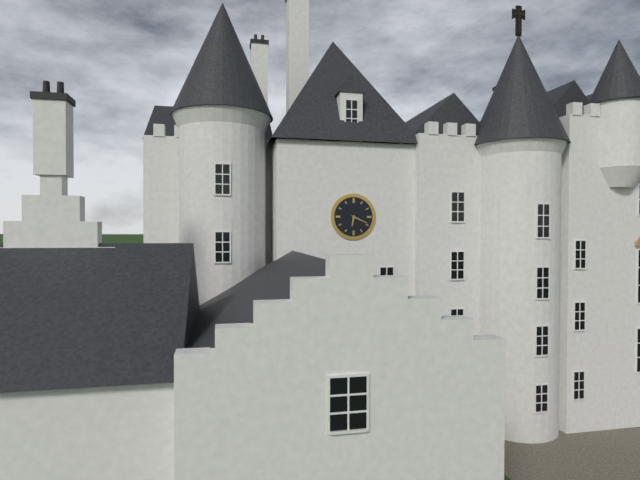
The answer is 6 h 19 min
